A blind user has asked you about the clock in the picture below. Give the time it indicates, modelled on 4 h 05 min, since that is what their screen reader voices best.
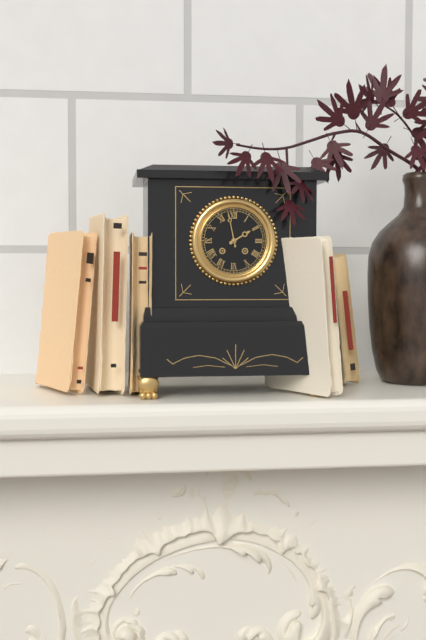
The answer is 1 h 58 min
